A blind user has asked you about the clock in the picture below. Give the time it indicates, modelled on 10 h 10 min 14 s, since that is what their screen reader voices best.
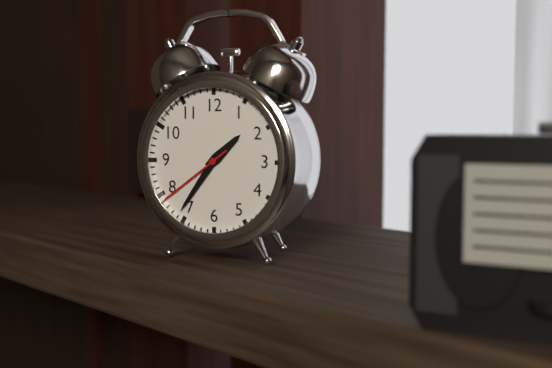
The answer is 1 h 36 min 39 s
